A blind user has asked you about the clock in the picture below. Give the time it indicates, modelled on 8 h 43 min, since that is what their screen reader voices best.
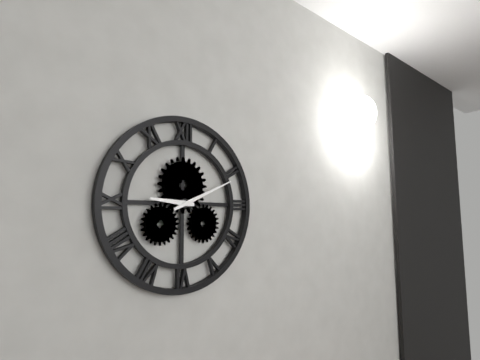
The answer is 9 h 11 min
